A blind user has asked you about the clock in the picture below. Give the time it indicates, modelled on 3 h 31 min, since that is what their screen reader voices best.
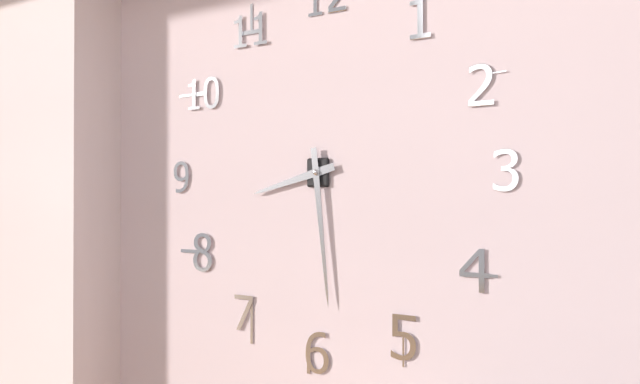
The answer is 8 h 29 min
